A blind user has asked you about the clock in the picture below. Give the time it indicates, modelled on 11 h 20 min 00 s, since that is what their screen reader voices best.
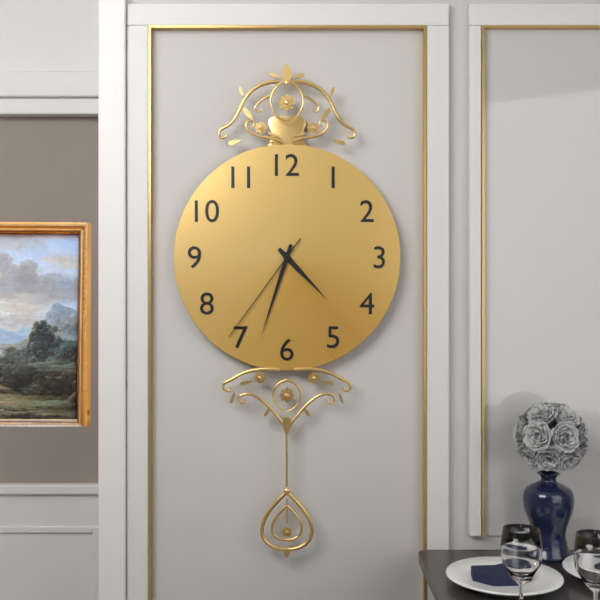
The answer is 4 h 33 min 36 s
